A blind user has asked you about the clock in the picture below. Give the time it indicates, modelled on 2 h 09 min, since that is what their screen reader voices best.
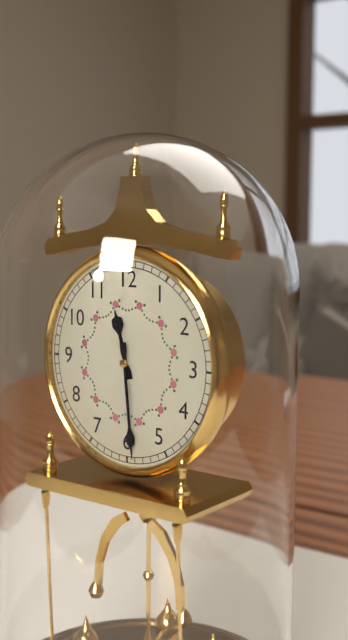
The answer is 11 h 29 min
